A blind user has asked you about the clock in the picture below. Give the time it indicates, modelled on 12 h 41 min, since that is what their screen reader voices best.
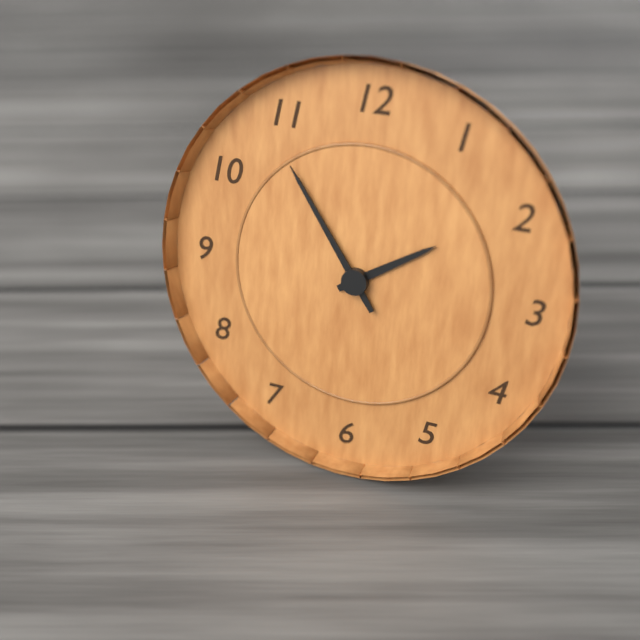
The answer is 1 h 54 min
